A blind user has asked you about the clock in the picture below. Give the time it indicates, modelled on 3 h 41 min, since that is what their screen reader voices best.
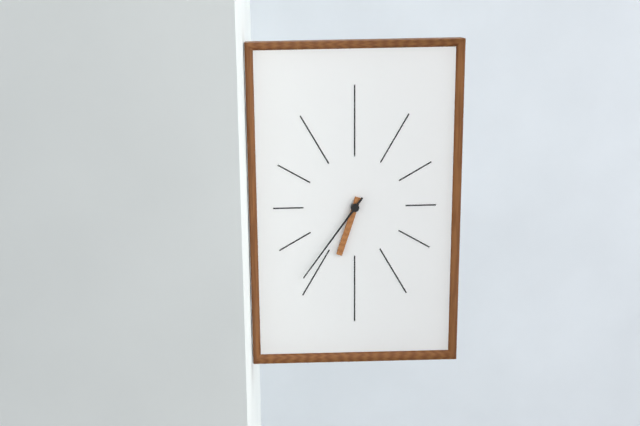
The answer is 6 h 36 min
